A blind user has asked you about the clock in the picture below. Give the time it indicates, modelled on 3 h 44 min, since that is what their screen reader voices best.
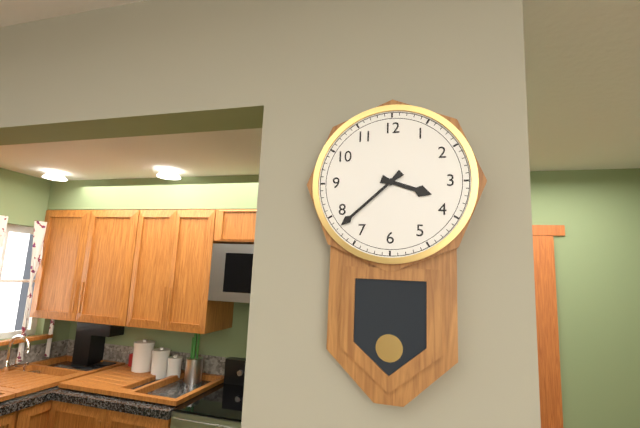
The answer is 3 h 38 min
